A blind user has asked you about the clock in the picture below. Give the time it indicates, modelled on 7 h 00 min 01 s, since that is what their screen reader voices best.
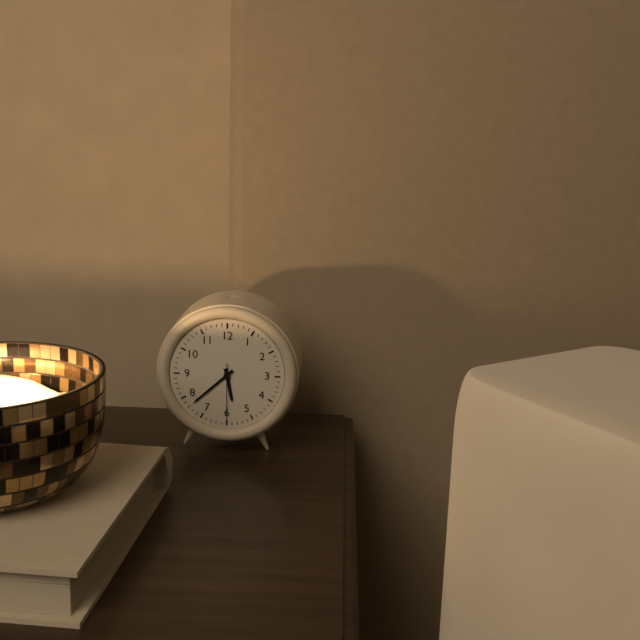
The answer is 5 h 38 min 30 s
